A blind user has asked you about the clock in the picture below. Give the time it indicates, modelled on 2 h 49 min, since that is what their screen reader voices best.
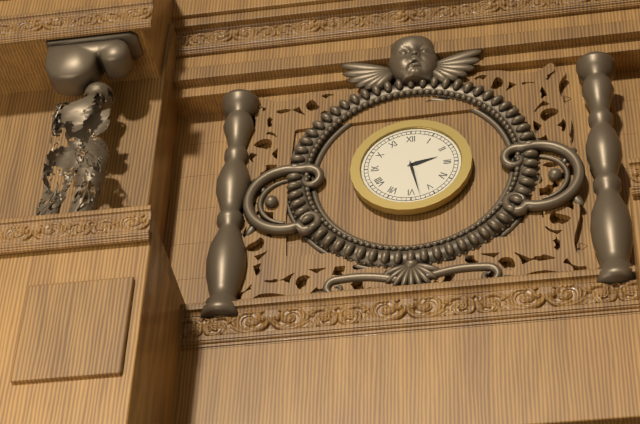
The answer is 2 h 28 min
